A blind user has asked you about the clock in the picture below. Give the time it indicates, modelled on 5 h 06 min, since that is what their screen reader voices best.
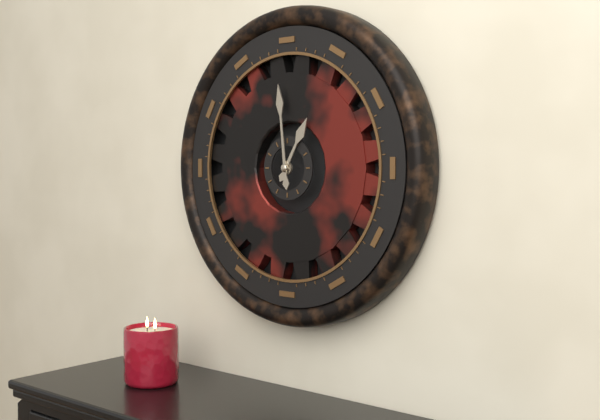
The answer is 12 h 59 min
